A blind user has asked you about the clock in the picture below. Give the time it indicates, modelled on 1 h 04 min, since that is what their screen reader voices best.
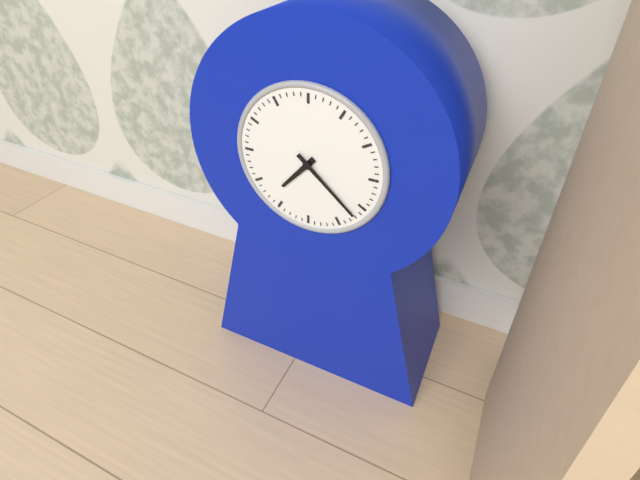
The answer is 7 h 22 min
